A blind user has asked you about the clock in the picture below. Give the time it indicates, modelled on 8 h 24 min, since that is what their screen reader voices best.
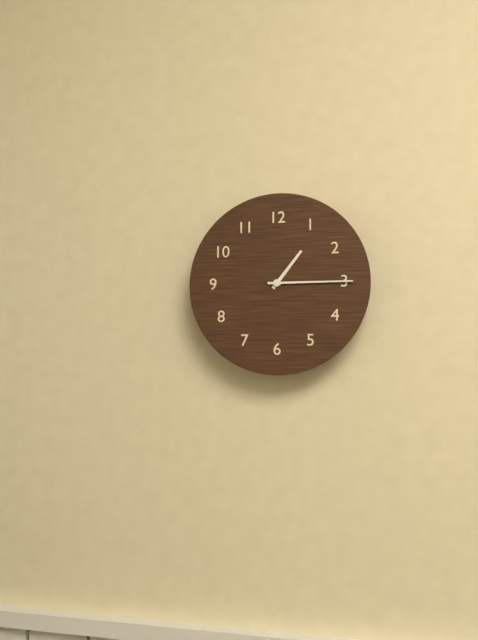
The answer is 1 h 15 min
